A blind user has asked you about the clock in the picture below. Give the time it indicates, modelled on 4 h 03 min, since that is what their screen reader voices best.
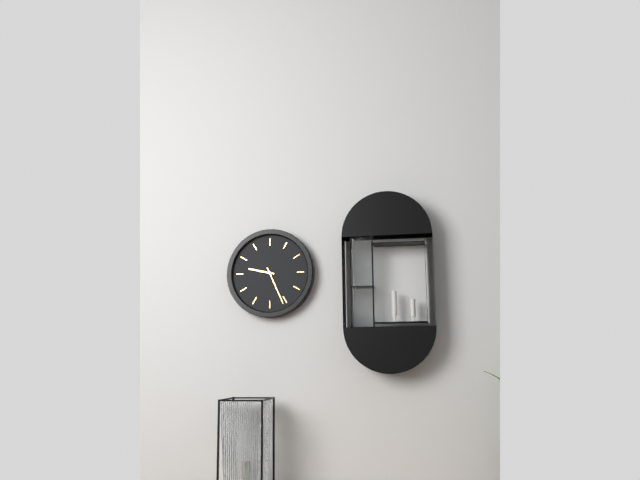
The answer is 9 h 26 min
